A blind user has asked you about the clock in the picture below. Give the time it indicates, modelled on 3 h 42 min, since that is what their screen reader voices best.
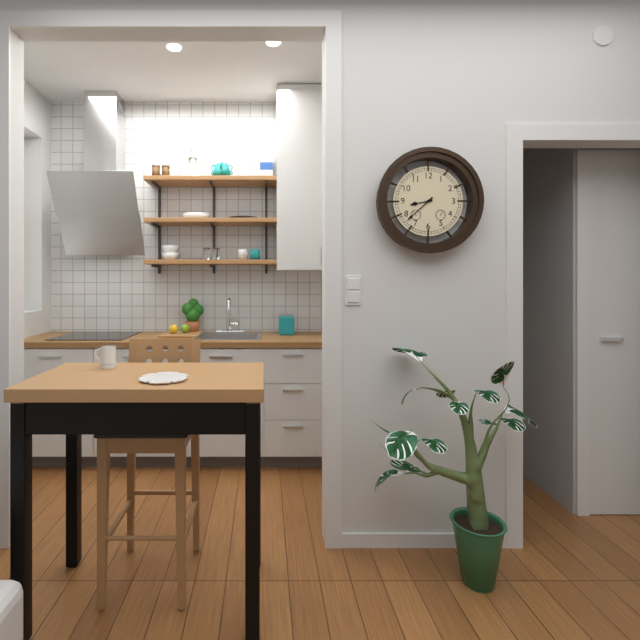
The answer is 8 h 38 min
